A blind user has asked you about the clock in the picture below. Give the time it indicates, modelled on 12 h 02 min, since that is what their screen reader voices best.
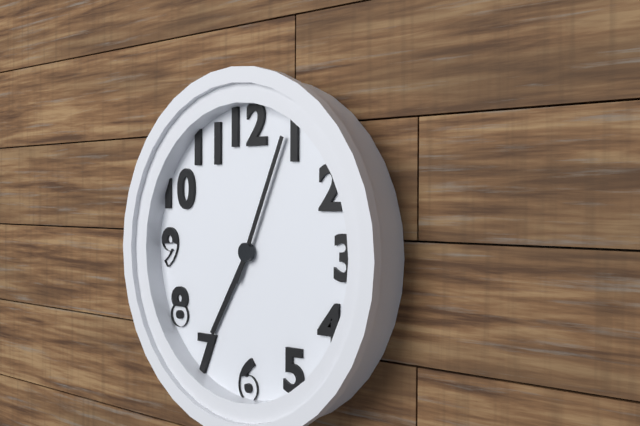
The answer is 7 h 04 min
